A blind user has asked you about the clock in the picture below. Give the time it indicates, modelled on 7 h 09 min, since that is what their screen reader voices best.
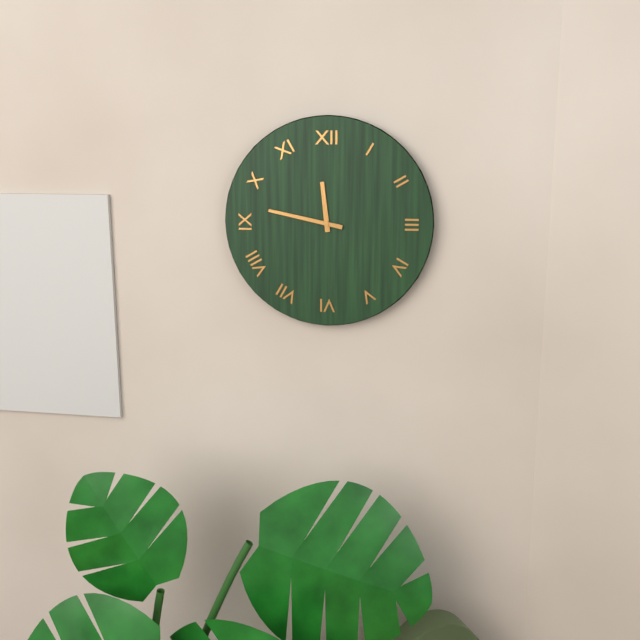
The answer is 11 h 47 min
